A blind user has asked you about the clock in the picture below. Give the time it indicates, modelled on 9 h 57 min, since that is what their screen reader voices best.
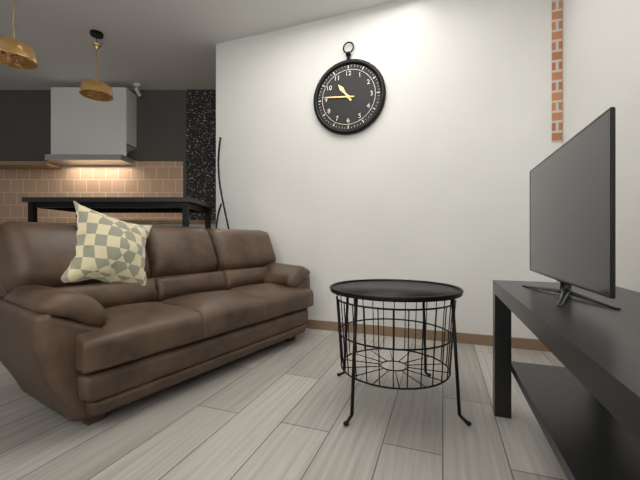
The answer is 10 h 46 min
